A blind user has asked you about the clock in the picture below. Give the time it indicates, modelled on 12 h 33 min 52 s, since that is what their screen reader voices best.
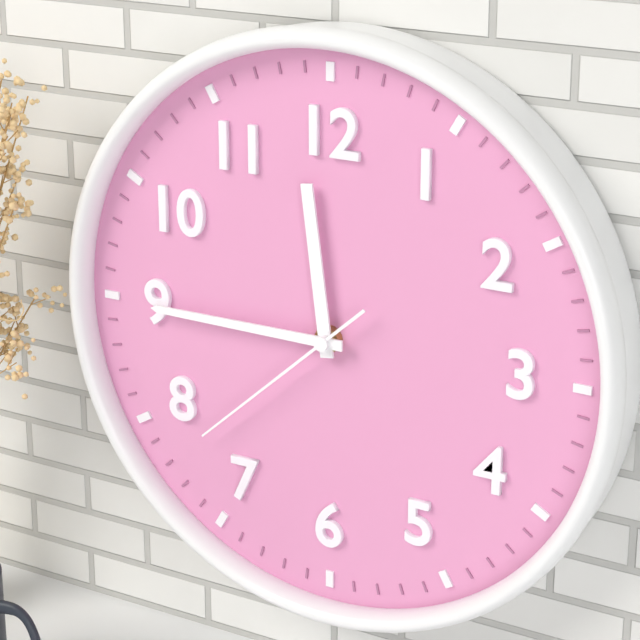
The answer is 11 h 45 min 38 s
